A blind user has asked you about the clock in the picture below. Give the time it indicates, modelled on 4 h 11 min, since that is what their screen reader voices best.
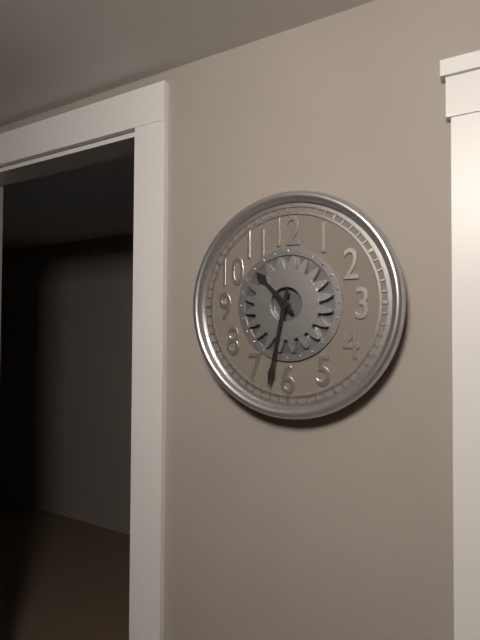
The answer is 10 h 32 min
